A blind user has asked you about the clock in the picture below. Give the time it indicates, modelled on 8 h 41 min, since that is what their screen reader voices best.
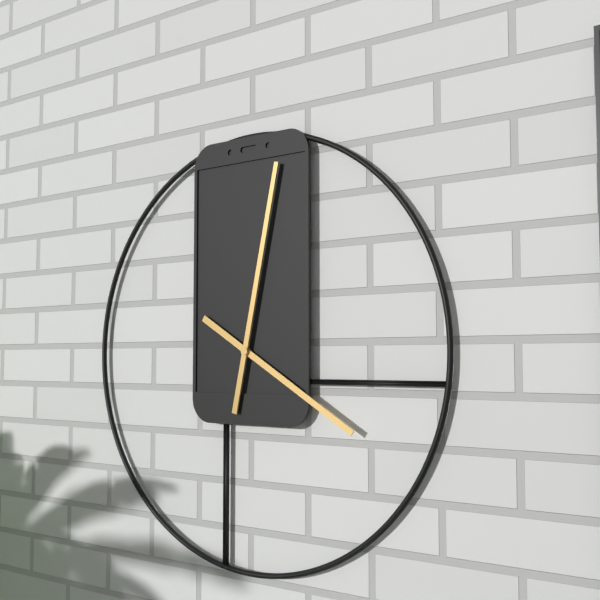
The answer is 4 h 02 min
